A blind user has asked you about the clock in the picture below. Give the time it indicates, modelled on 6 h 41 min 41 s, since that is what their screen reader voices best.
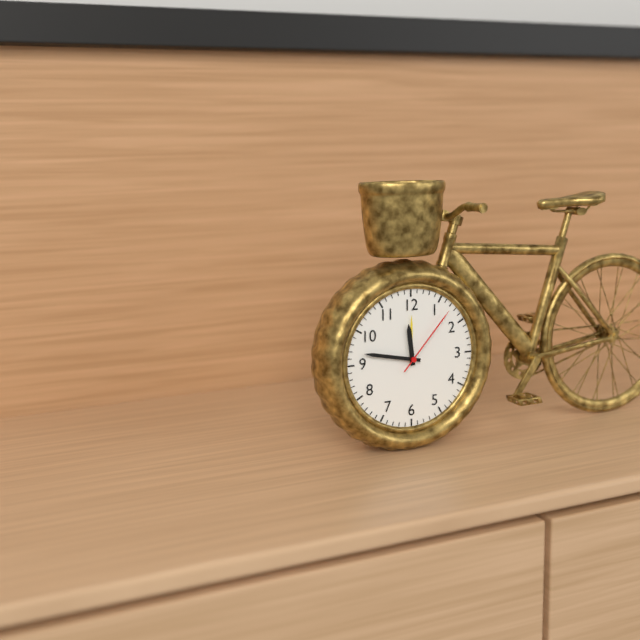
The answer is 11 h 47 min 07 s
